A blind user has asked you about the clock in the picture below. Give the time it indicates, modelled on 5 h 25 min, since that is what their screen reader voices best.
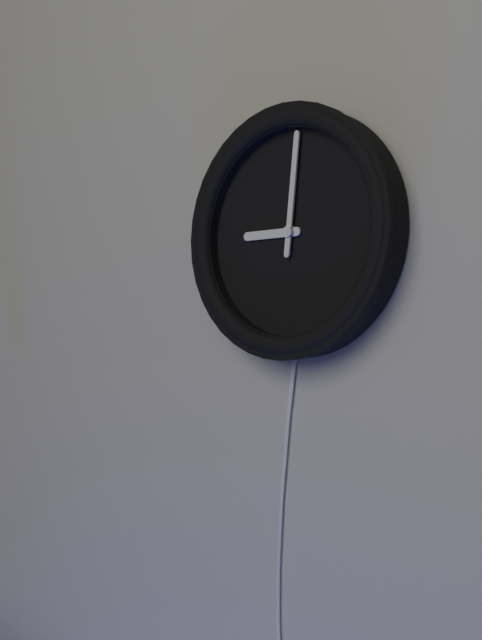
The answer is 9 h 01 min
